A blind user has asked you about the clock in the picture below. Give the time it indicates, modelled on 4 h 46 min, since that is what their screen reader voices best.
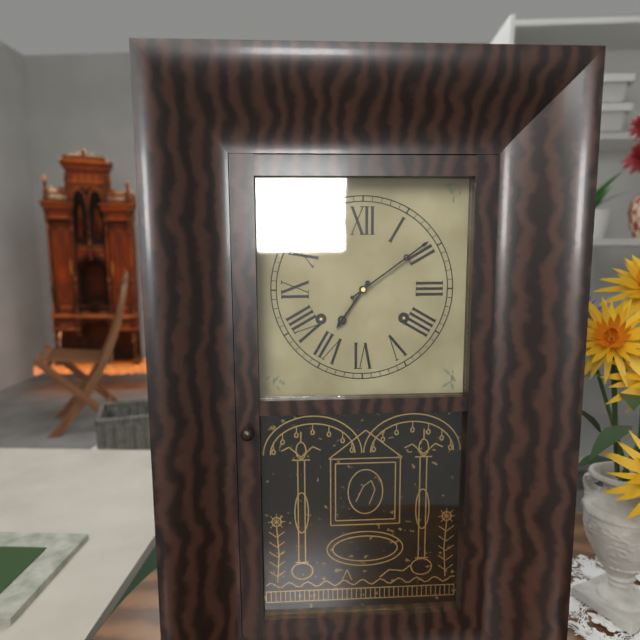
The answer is 7 h 09 min
